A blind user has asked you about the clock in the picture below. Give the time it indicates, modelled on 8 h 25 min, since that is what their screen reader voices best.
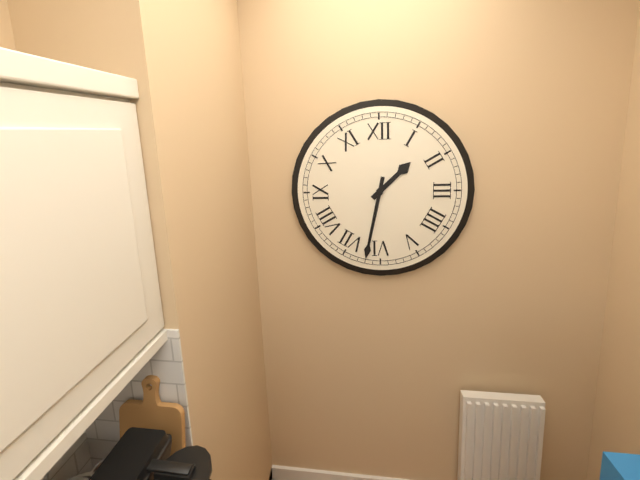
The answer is 1 h 32 min
